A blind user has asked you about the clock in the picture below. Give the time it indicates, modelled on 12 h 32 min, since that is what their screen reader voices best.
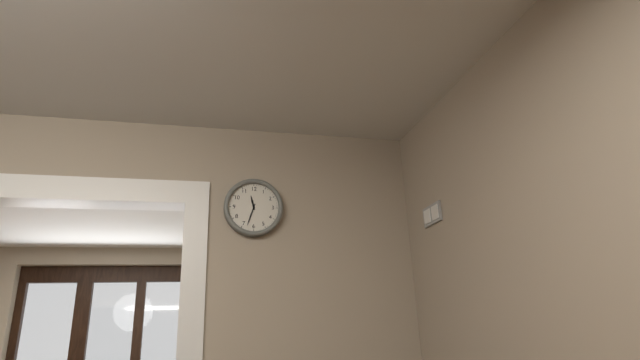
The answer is 11 h 33 min
